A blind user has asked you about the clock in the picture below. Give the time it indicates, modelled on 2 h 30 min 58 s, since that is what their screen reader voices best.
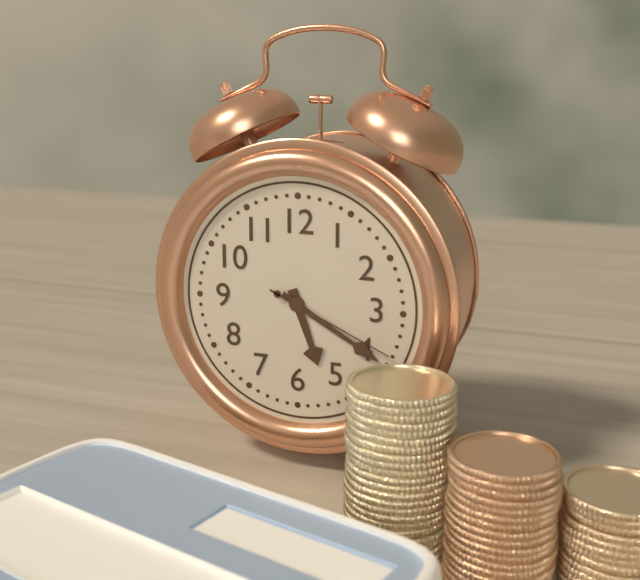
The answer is 5 h 20 min 19 s
